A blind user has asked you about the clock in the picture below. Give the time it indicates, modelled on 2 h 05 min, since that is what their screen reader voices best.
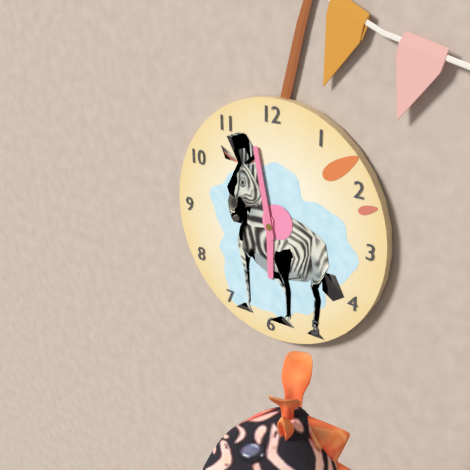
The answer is 5 h 58 min
